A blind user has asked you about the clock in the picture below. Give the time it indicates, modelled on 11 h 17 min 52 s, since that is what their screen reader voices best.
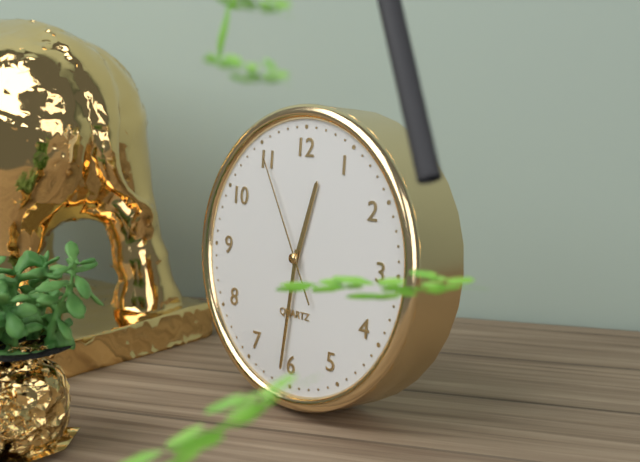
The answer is 12 h 31 min 55 s
